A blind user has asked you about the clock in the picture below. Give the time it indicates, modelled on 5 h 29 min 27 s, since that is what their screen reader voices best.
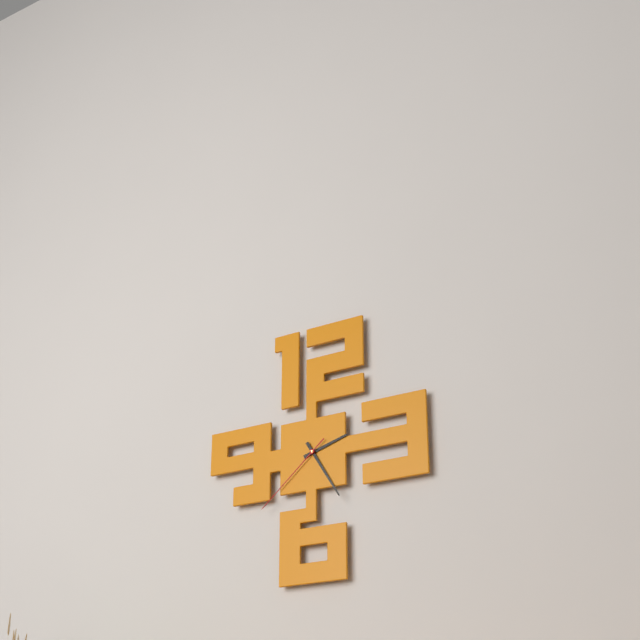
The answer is 2 h 25 min 38 s
